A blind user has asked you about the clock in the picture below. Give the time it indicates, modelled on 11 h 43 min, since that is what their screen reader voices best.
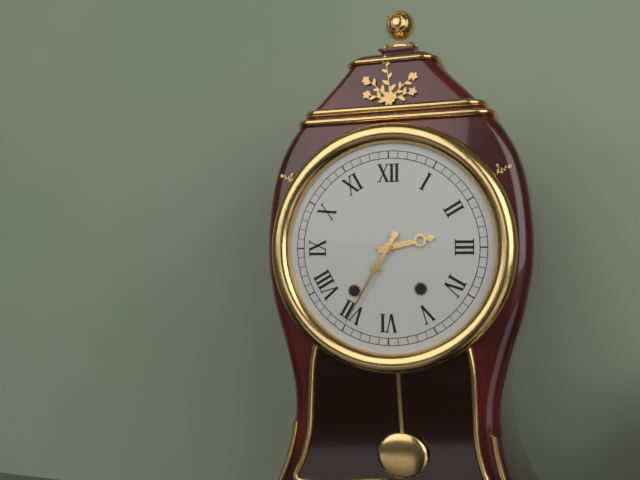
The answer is 2 h 35 min
